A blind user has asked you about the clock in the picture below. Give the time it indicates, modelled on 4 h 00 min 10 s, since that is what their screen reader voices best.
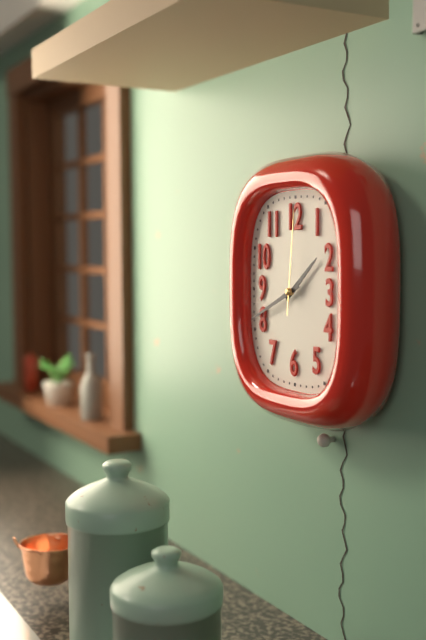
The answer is 1 h 41 min 01 s
